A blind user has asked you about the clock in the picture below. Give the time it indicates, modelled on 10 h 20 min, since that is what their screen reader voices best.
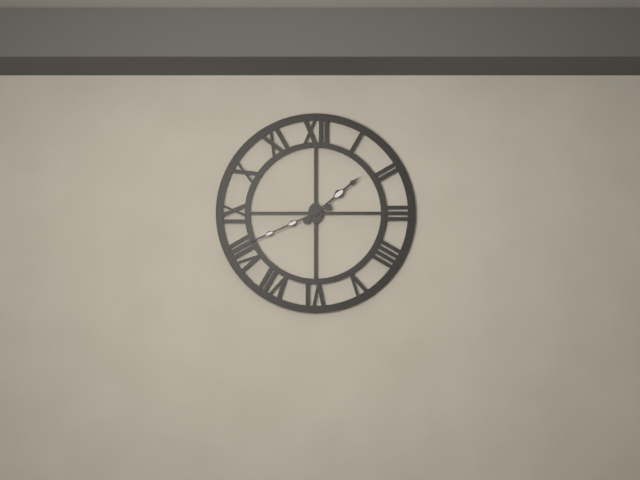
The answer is 1 h 41 min
